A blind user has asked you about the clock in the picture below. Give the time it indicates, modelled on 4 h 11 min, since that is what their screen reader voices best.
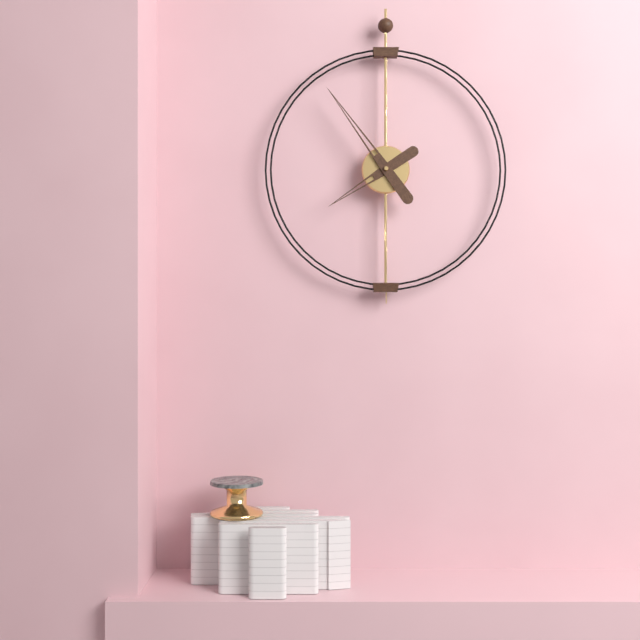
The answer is 7 h 54 min
